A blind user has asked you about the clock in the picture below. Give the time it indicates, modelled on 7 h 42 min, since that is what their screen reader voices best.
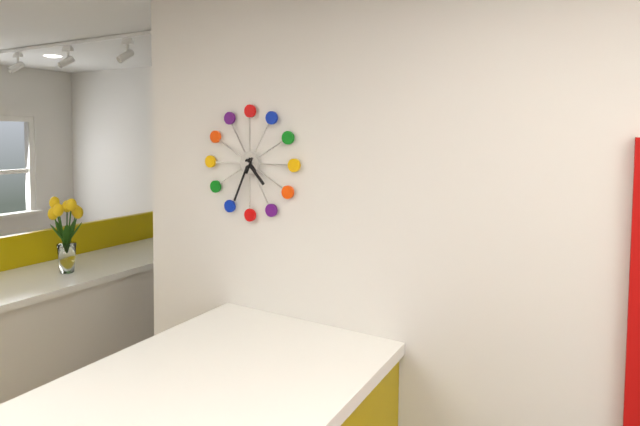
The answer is 4 h 34 min
